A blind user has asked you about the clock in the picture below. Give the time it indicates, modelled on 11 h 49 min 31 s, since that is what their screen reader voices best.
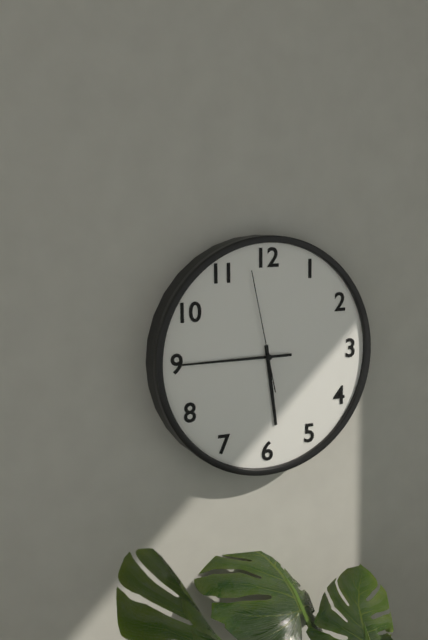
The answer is 5 h 45 min 58 s
